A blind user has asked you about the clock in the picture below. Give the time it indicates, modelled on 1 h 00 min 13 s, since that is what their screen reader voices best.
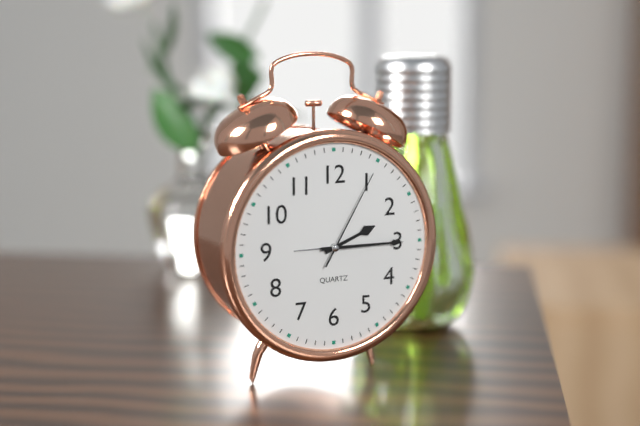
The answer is 2 h 15 min 05 s
